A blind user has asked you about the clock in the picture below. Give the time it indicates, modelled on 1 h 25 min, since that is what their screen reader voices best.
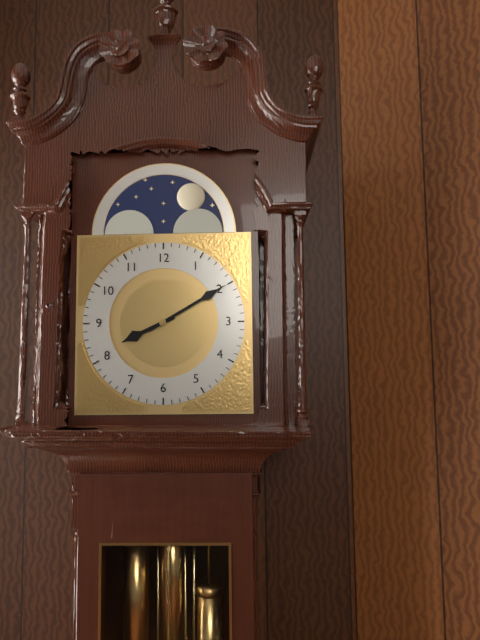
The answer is 8 h 10 min
